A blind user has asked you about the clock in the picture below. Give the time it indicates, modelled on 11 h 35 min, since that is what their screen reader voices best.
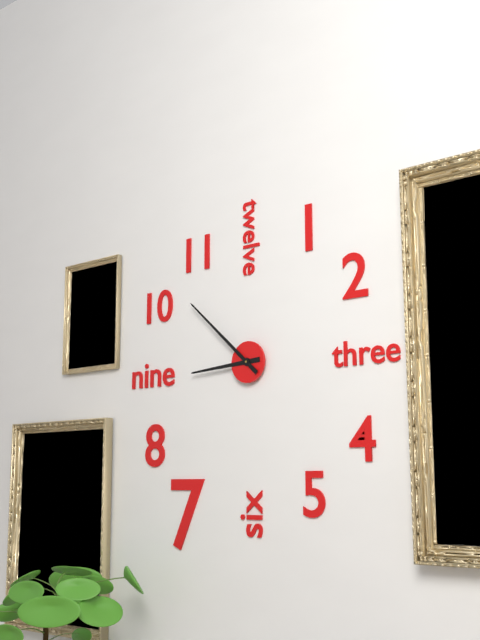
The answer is 8 h 52 min
